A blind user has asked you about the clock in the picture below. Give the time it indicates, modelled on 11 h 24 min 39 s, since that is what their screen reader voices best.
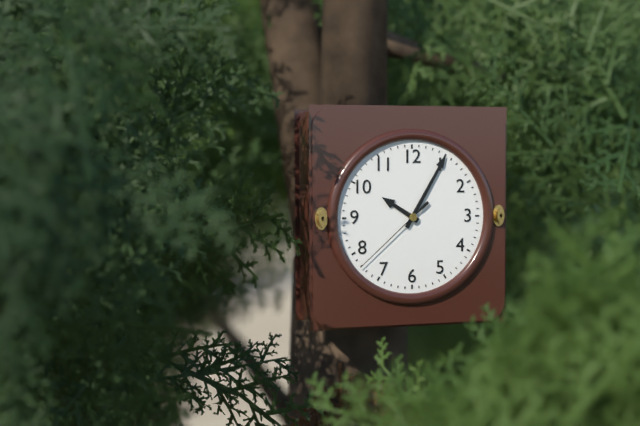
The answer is 10 h 05 min 38 s
